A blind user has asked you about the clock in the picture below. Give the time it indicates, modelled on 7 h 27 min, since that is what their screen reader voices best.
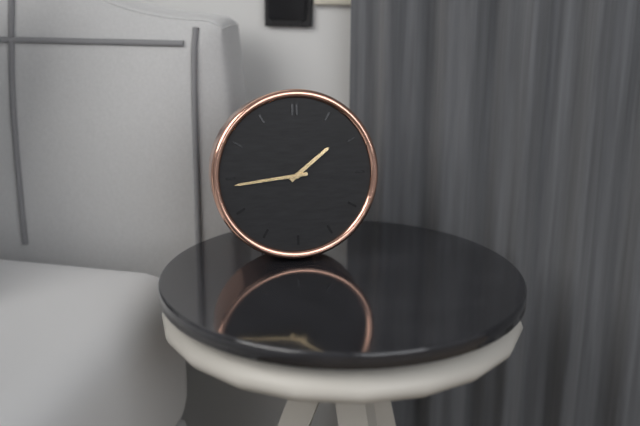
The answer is 1 h 44 min
